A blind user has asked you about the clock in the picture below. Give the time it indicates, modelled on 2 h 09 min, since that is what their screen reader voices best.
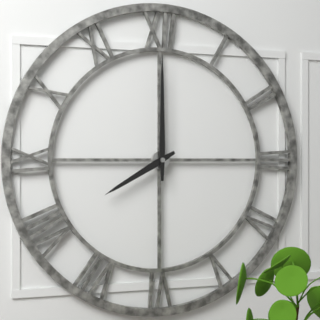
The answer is 8 h 00 min
